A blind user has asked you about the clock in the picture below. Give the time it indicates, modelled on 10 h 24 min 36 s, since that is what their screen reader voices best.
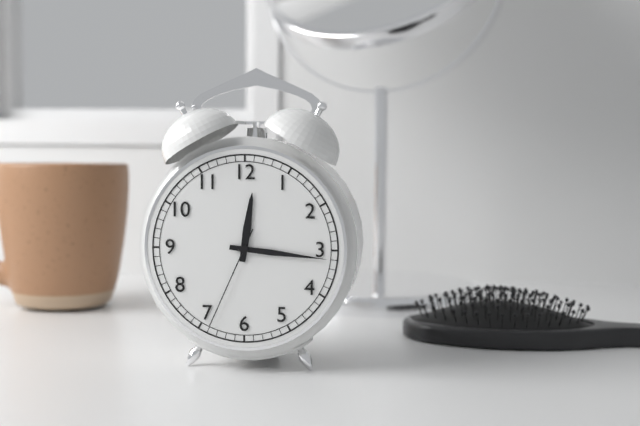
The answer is 12 h 16 min 34 s
